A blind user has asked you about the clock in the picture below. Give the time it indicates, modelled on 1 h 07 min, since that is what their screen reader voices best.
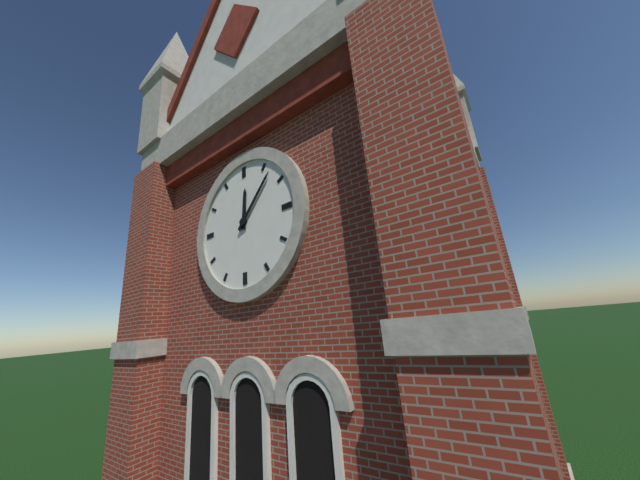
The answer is 12 h 07 min
